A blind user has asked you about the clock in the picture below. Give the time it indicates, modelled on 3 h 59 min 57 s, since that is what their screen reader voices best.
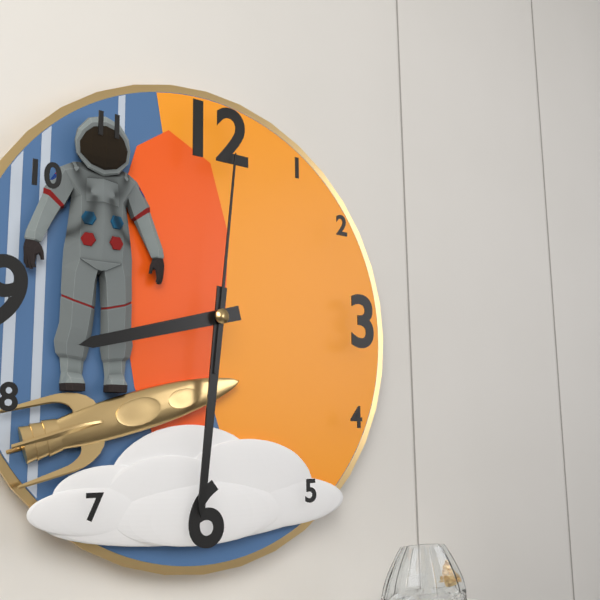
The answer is 8 h 31 min 01 s
